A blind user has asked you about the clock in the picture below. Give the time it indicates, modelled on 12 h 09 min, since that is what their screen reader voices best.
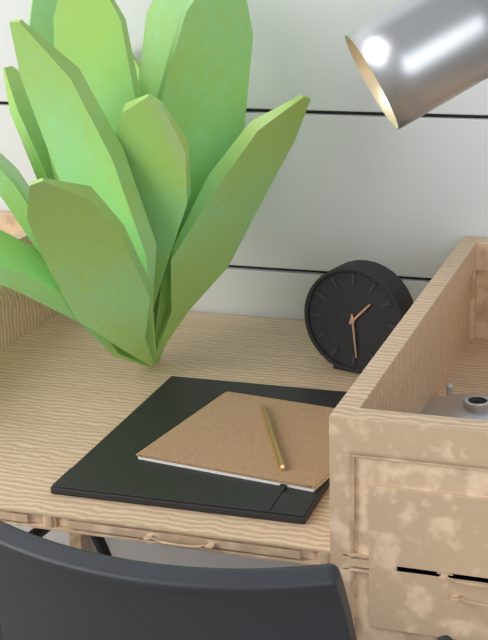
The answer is 1 h 29 min
